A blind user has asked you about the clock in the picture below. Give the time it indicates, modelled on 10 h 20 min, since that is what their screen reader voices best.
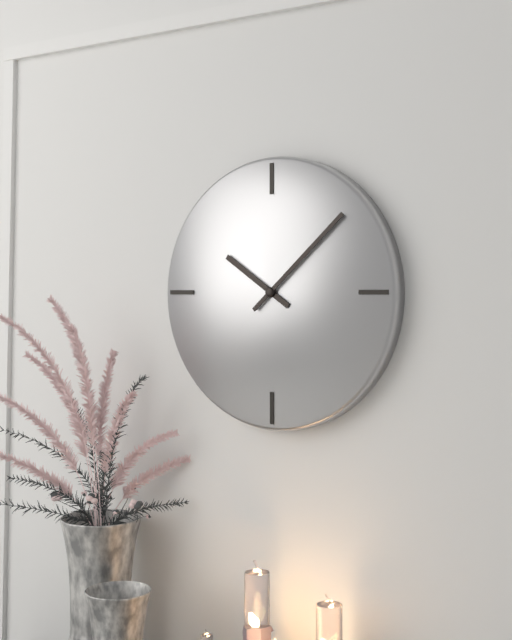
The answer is 10 h 08 min
